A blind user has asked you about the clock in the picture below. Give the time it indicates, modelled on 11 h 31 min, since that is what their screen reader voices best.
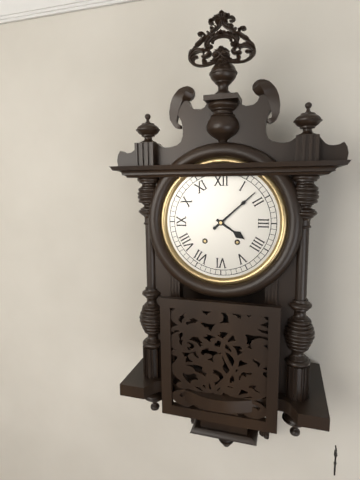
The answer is 4 h 08 min
